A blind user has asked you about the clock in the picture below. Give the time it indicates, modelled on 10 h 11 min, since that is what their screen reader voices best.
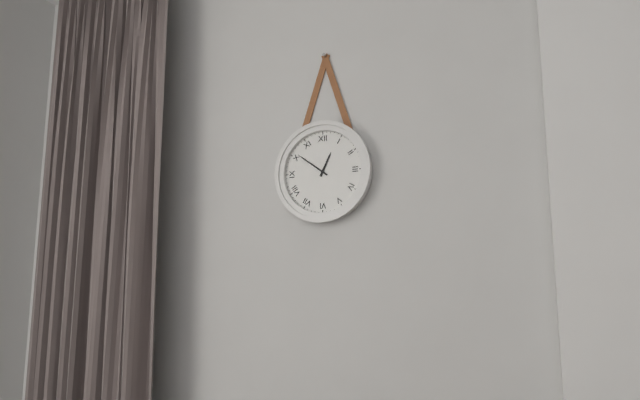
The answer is 12 h 51 min
